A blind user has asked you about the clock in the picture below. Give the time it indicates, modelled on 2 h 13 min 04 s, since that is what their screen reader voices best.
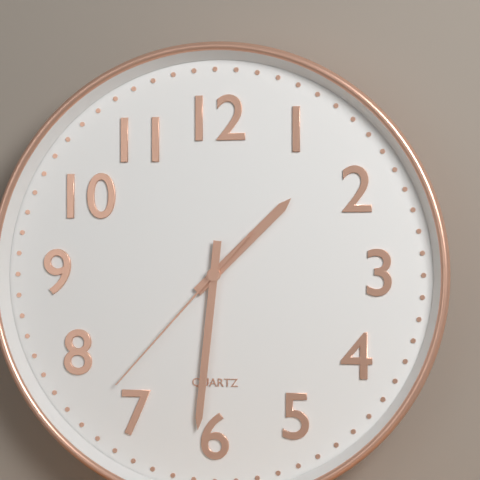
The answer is 1 h 31 min 37 s
